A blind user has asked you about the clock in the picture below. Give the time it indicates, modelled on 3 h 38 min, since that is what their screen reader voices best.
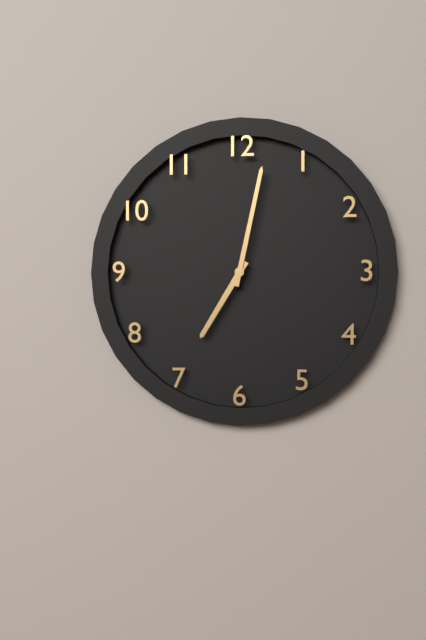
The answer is 7 h 02 min
